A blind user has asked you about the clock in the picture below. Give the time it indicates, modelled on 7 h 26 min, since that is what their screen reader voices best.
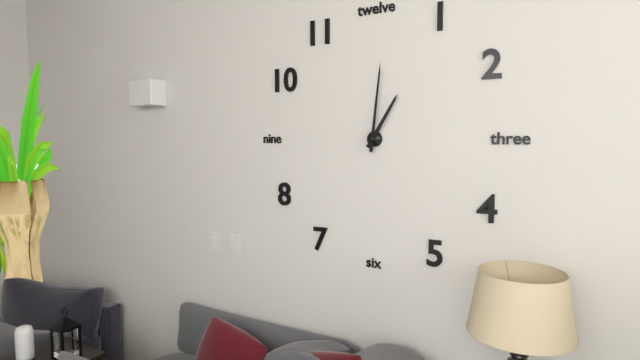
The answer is 1 h 01 min
